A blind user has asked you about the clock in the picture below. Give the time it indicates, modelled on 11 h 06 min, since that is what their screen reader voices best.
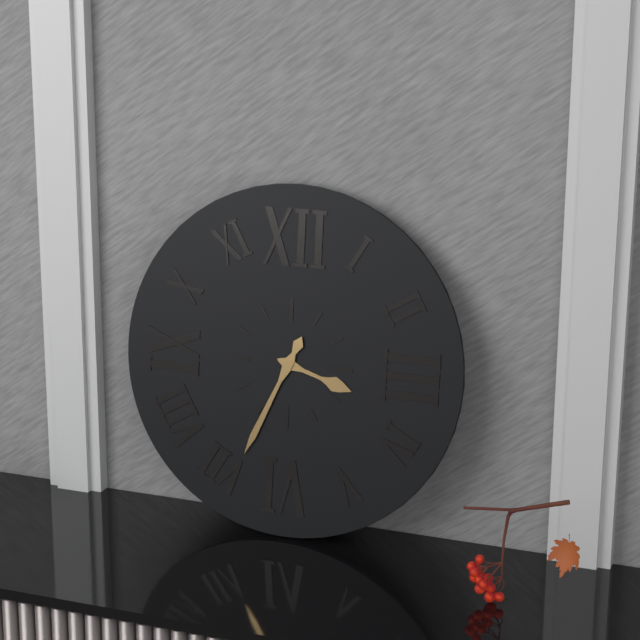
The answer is 3 h 34 min
